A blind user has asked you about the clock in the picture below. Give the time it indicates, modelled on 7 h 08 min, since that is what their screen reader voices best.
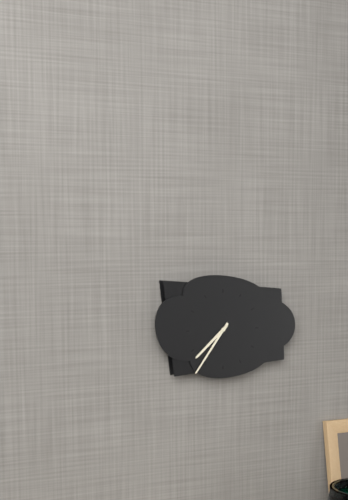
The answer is 7 h 36 min
